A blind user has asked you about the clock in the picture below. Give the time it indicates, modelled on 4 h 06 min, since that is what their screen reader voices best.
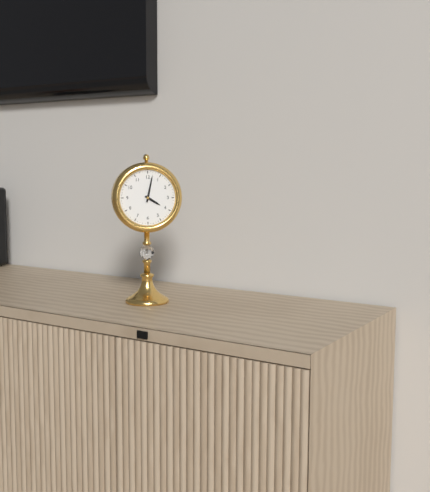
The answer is 4 h 02 min
